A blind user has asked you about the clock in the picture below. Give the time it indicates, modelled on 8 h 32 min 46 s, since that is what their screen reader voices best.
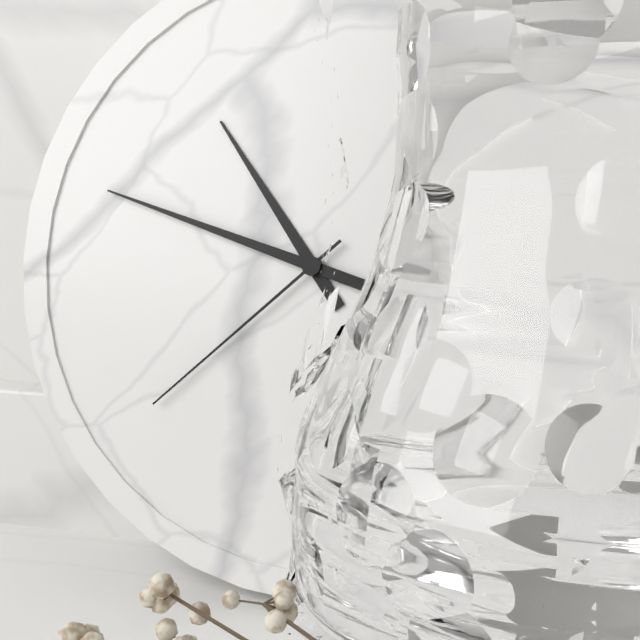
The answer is 10 h 48 min 38 s
